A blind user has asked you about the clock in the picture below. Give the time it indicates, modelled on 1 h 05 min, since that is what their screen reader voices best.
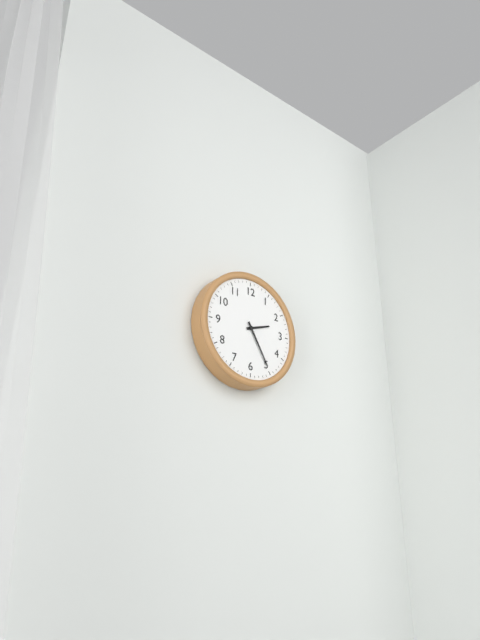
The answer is 2 h 25 min
